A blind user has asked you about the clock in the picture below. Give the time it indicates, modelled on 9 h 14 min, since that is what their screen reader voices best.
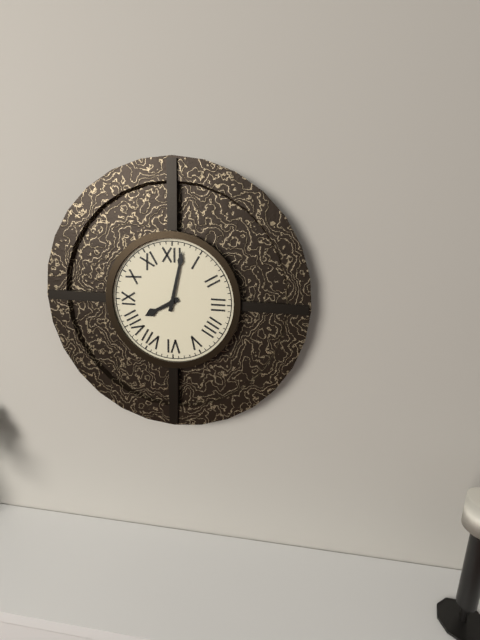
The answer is 8 h 02 min
